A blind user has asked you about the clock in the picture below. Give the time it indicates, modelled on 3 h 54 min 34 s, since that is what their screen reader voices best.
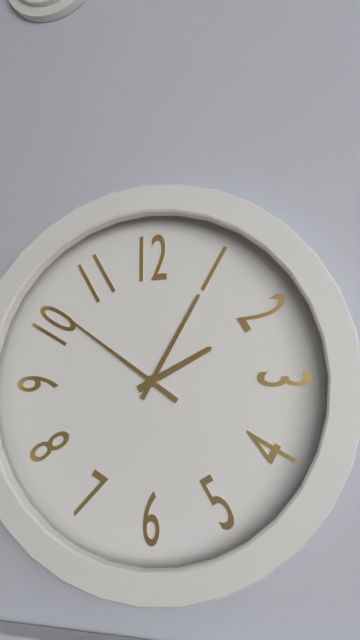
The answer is 2 h 05 min 51 s
